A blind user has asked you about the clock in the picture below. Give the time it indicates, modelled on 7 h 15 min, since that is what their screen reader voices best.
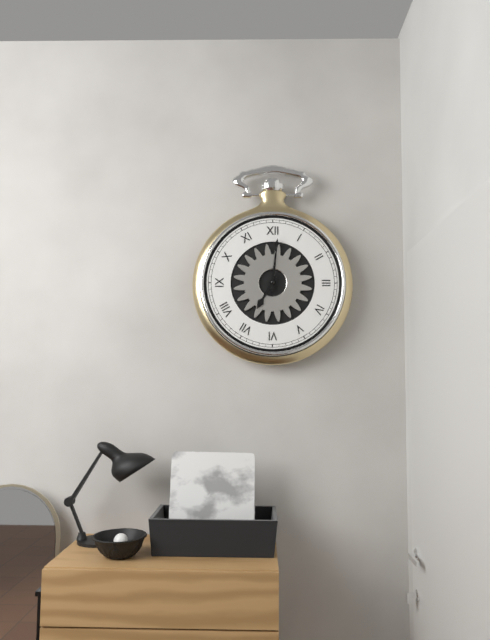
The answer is 7 h 01 min
